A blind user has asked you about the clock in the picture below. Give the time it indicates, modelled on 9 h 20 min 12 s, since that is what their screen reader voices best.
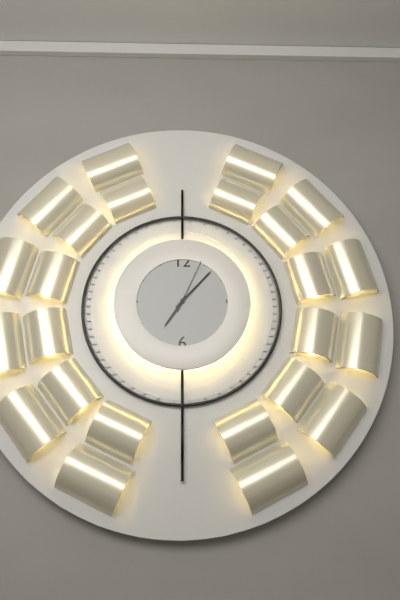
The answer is 7 h 07 min 04 s
